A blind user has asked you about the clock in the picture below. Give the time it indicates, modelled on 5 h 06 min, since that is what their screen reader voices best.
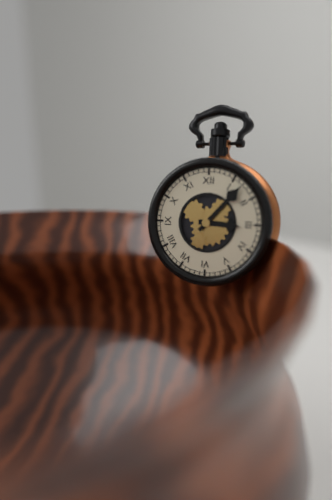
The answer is 3 h 07 min
